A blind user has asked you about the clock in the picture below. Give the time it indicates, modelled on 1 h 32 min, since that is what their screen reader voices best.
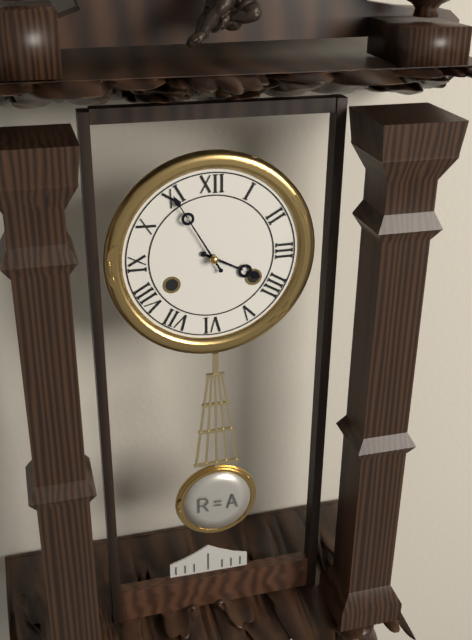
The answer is 3 h 55 min
